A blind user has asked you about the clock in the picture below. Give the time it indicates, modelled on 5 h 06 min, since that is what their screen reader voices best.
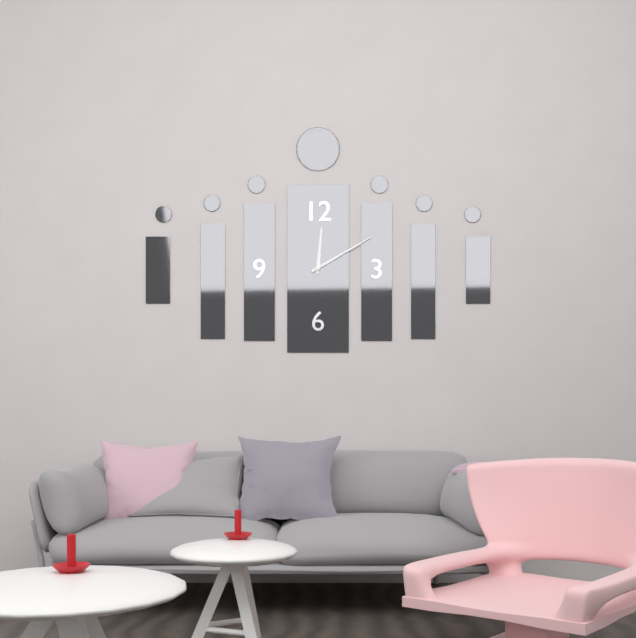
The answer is 12 h 10 min
